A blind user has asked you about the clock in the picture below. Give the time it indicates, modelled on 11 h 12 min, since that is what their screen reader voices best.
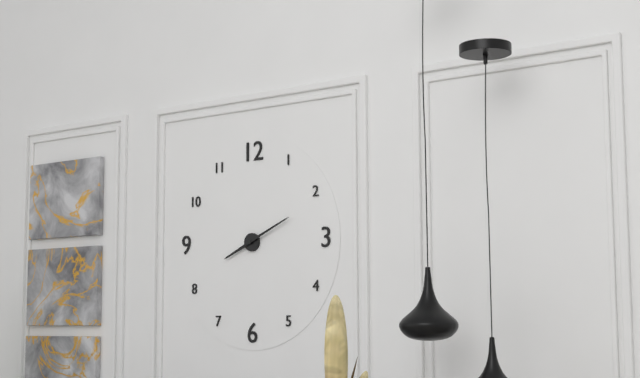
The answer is 8 h 11 min
